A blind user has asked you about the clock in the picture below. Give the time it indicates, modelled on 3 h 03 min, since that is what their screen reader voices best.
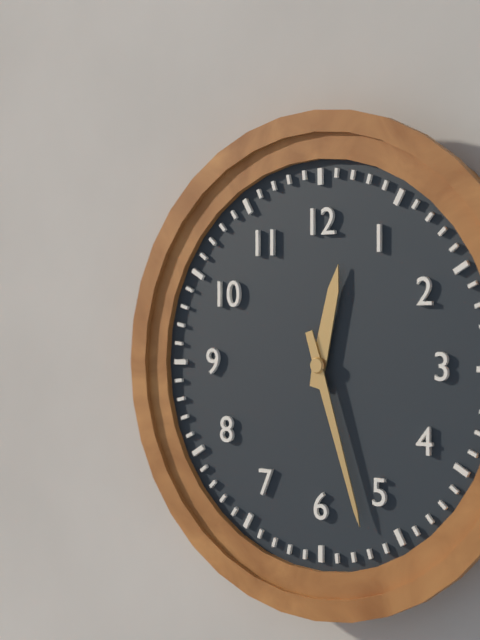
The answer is 12 h 27 min
